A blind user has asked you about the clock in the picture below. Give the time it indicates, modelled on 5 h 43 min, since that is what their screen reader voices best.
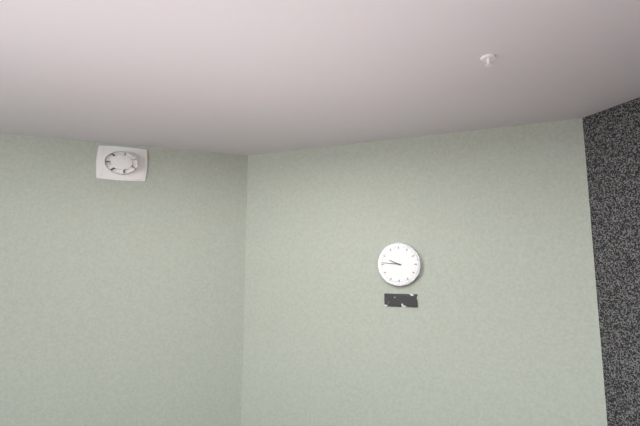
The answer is 9 h 46 min
